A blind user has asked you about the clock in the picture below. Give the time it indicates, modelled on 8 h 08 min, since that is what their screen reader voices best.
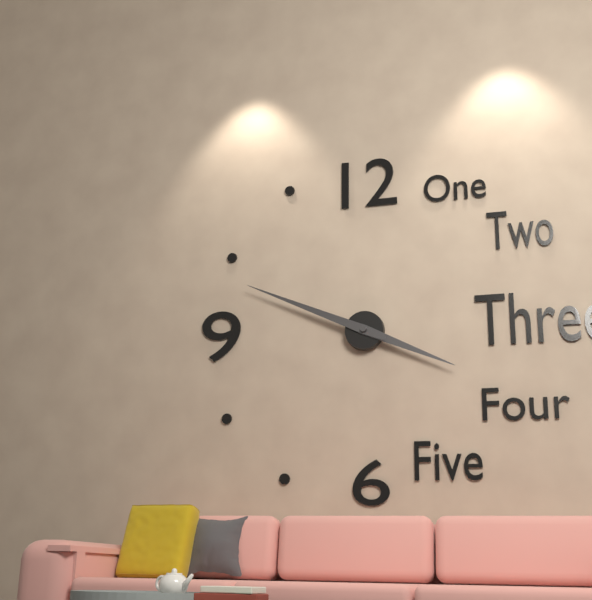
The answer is 3 h 49 min
